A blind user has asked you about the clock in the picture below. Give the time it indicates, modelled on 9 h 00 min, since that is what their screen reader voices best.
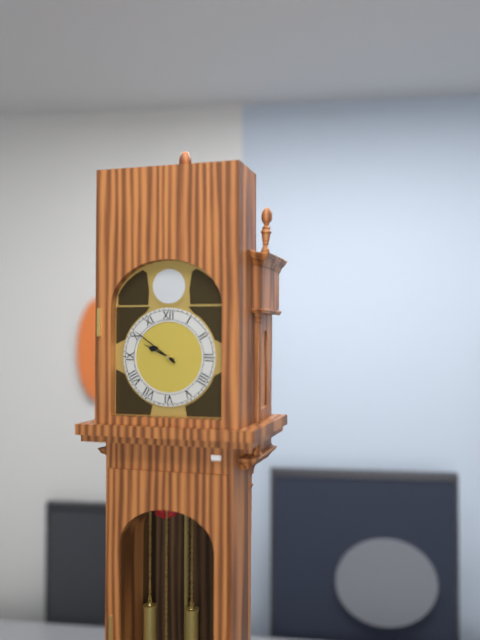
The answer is 9 h 51 min
